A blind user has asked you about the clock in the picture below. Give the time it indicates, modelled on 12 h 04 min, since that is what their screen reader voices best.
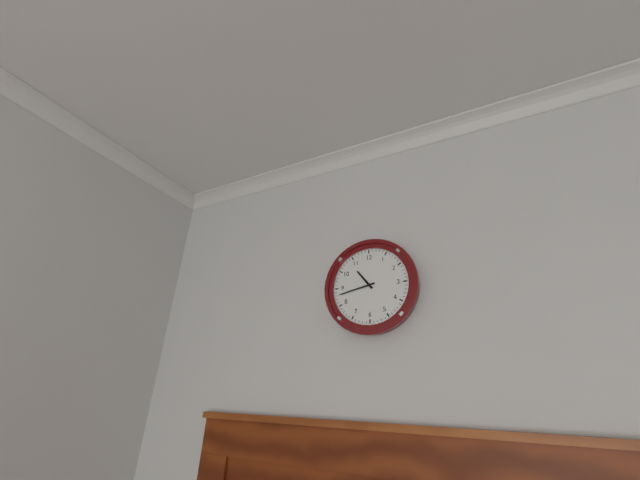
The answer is 10 h 43 min
